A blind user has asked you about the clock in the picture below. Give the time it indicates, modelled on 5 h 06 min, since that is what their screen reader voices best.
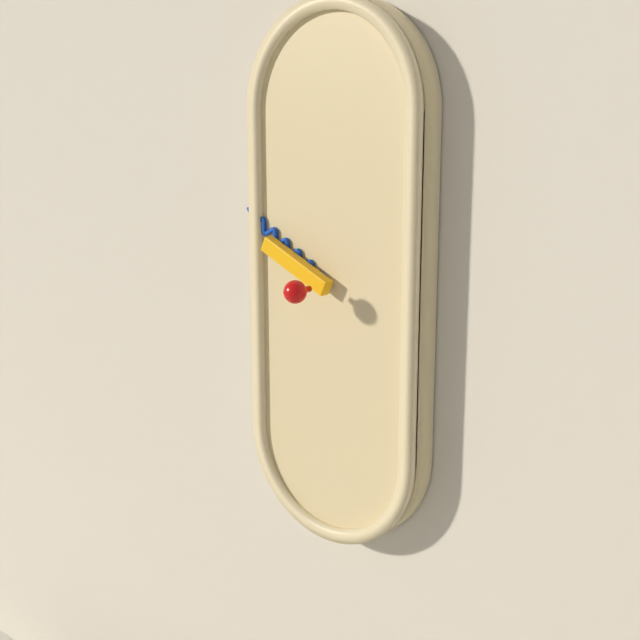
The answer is 9 h 50 min
